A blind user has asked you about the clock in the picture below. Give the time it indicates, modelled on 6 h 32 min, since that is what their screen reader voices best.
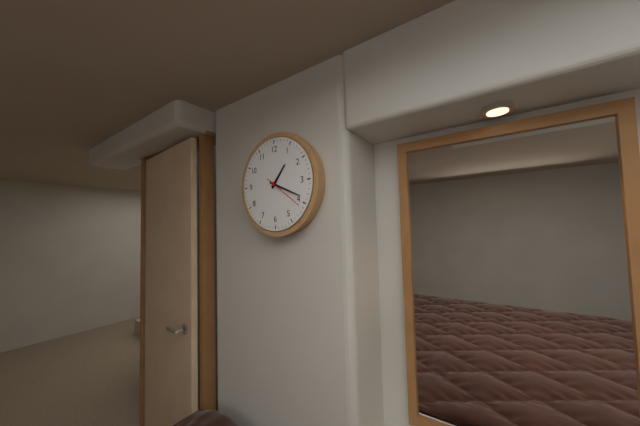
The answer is 1 h 19 min
